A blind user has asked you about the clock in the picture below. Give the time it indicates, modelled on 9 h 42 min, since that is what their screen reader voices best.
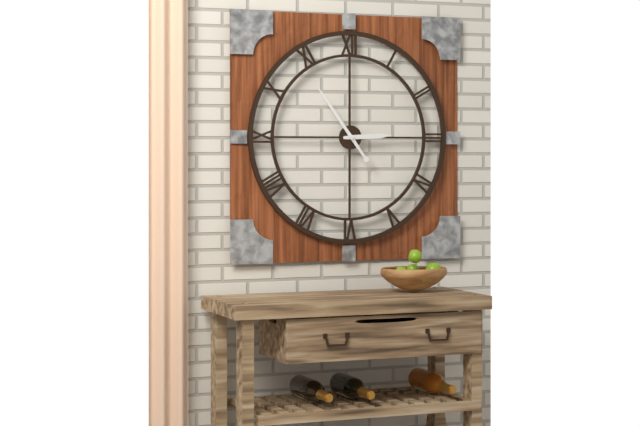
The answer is 2 h 54 min
